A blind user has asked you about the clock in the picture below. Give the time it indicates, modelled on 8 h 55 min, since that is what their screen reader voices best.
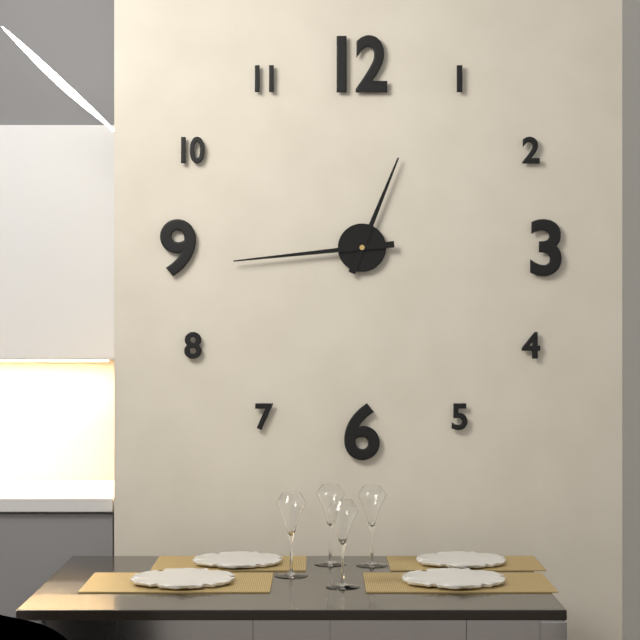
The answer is 12 h 44 min
